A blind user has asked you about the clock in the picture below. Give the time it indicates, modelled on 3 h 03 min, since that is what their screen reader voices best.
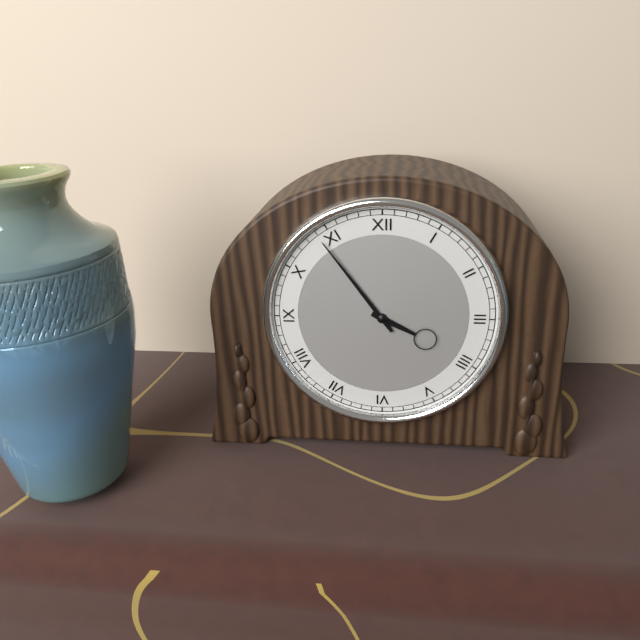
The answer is 3 h 54 min
